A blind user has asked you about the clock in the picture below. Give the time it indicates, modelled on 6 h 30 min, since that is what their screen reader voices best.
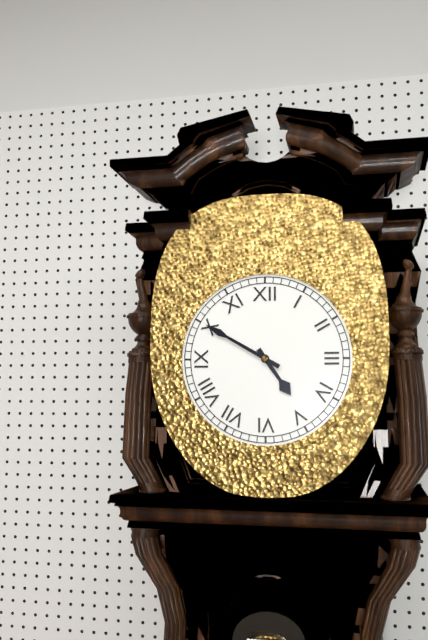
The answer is 4 h 50 min
